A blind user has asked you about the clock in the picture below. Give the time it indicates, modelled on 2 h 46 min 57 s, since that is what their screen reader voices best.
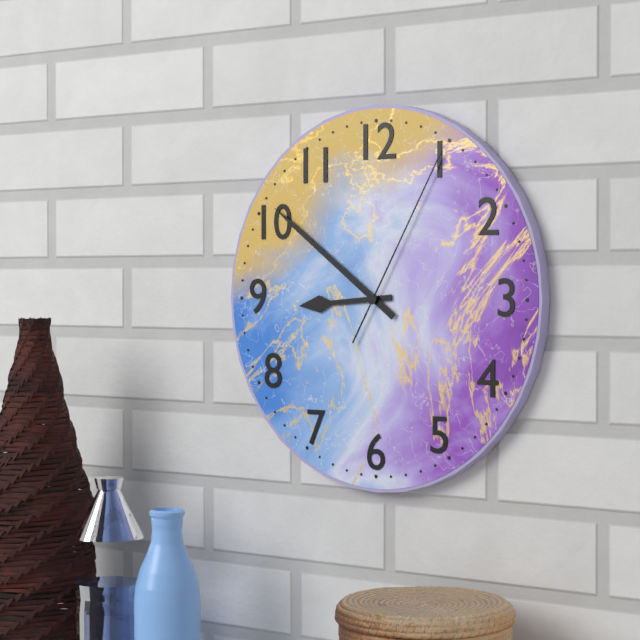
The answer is 8 h 51 min 05 s
